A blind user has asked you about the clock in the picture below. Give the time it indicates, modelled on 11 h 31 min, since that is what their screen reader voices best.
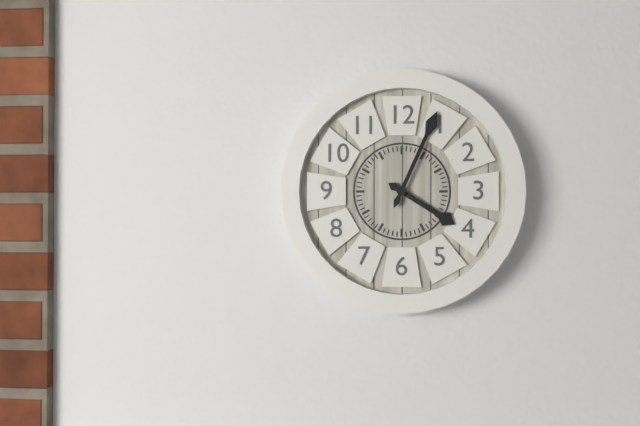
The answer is 4 h 04 min
